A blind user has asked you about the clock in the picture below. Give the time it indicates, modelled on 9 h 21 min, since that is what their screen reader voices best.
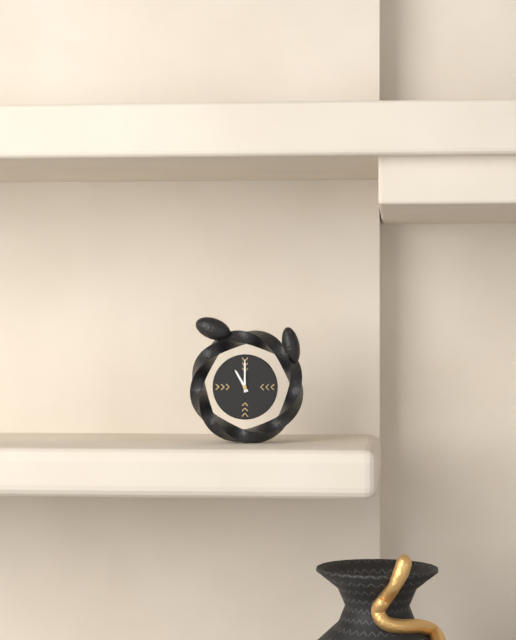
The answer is 11 h 00 min
